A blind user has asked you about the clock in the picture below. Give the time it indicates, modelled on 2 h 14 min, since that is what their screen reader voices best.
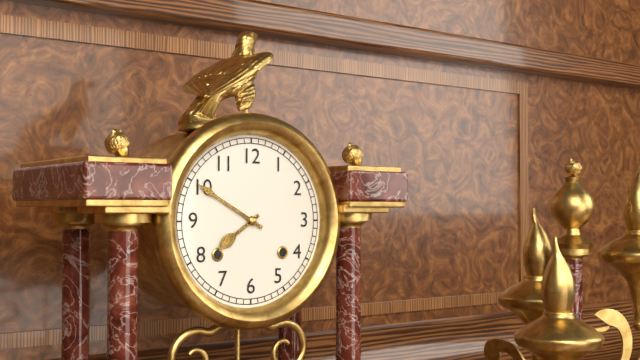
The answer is 7 h 50 min
